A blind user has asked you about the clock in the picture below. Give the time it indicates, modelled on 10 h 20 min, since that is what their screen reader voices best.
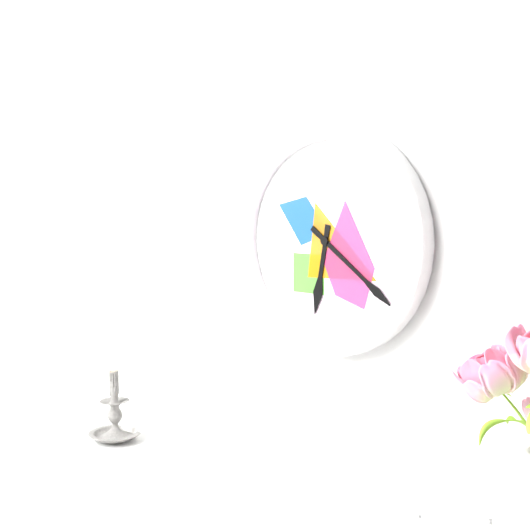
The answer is 6 h 21 min
